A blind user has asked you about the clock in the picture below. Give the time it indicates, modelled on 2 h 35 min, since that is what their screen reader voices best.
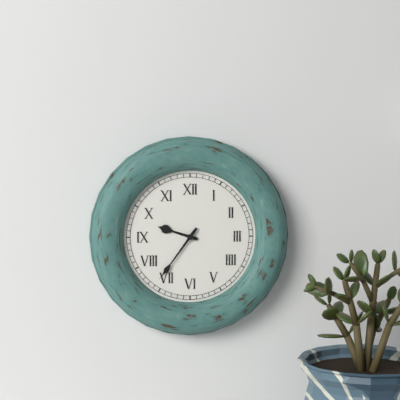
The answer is 9 h 36 min
